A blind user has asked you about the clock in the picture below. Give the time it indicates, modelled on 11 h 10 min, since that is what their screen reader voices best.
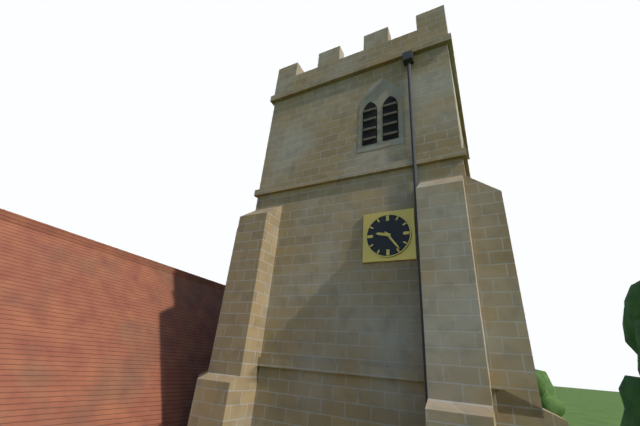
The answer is 9 h 24 min
